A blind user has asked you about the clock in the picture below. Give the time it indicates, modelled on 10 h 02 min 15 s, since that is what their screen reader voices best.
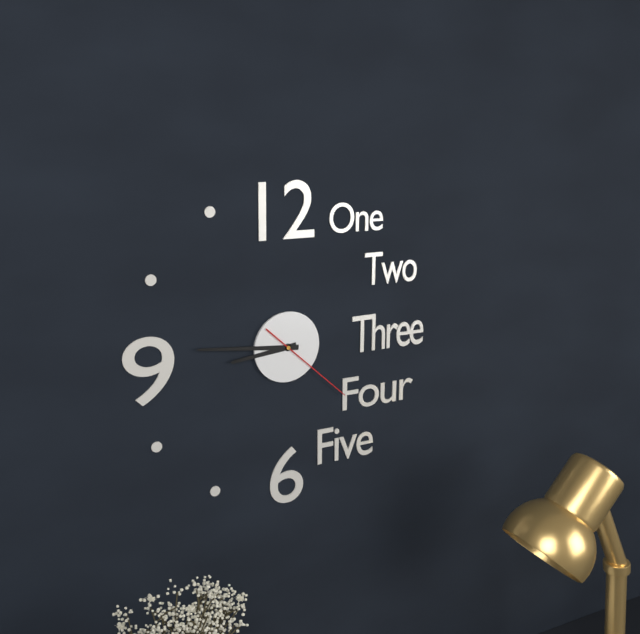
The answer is 8 h 46 min 22 s
